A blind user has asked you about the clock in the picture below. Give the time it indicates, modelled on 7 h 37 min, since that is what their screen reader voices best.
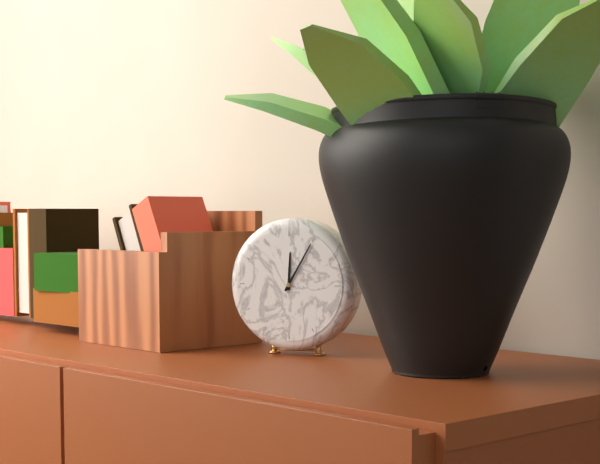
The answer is 12 h 05 min
